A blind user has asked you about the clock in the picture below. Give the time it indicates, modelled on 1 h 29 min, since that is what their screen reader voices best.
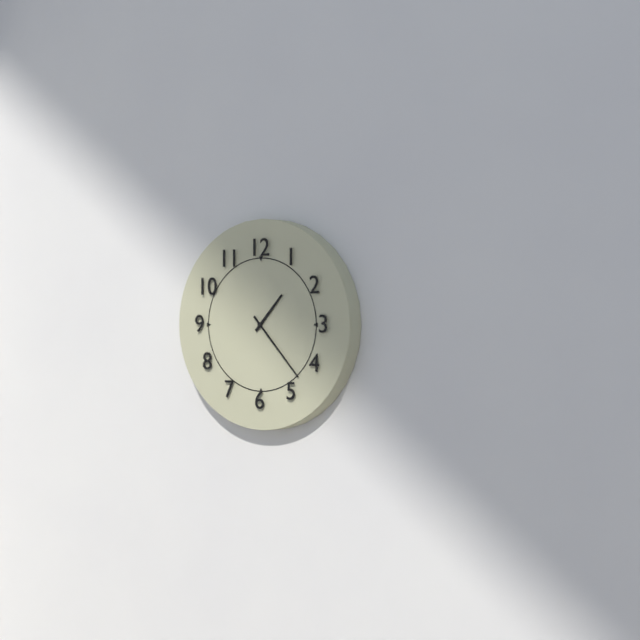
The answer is 1 h 23 min
